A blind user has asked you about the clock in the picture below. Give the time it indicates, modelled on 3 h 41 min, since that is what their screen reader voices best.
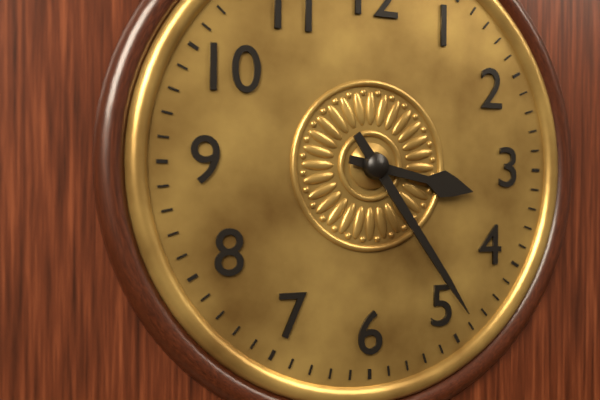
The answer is 3 h 24 min
